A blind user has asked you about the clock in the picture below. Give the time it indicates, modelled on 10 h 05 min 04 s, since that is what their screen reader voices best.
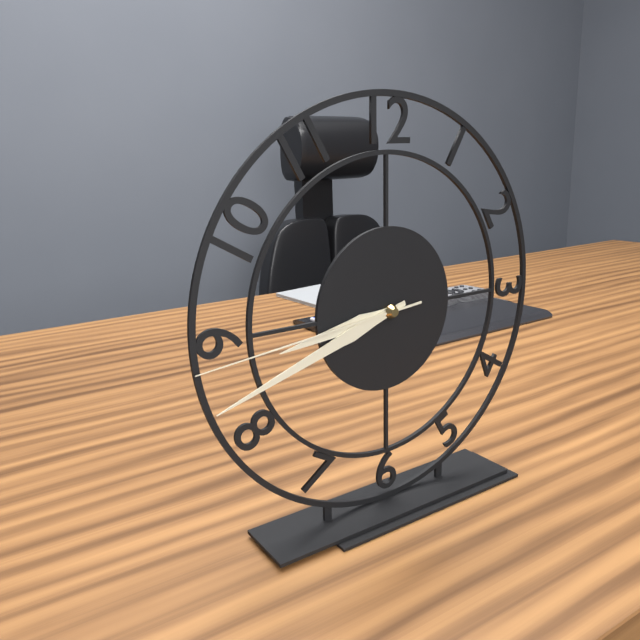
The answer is 8 h 42 min 44 s
